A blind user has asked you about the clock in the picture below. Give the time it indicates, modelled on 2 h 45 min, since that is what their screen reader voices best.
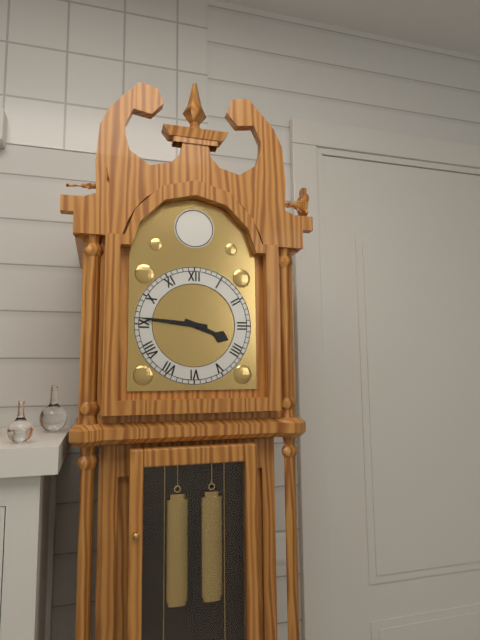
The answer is 3 h 46 min
